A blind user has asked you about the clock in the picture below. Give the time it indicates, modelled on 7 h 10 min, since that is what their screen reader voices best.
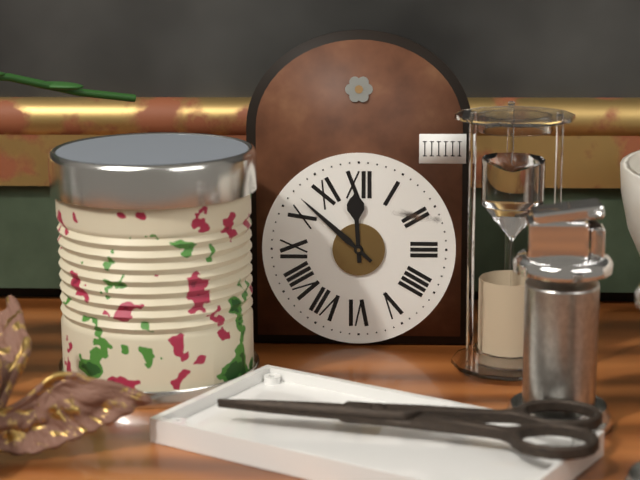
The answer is 11 h 52 min
